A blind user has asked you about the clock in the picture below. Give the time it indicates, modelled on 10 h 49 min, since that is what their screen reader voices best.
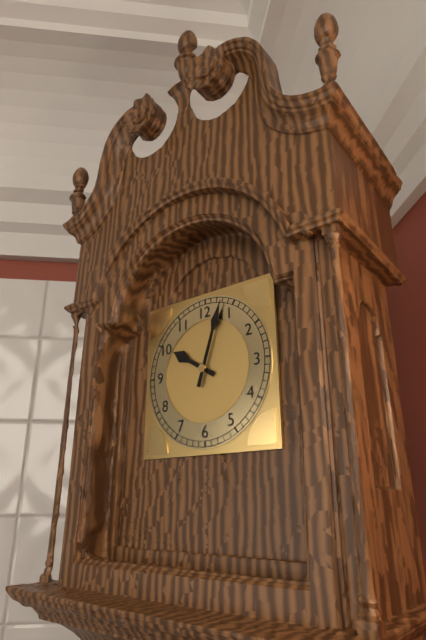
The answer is 10 h 03 min
